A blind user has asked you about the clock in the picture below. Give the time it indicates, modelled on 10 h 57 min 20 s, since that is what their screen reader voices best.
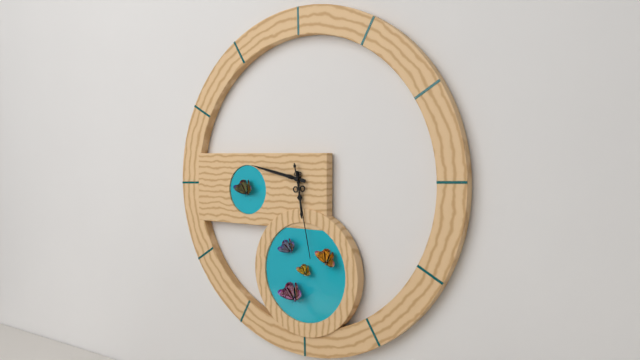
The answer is 5 h 47 min 28 s
